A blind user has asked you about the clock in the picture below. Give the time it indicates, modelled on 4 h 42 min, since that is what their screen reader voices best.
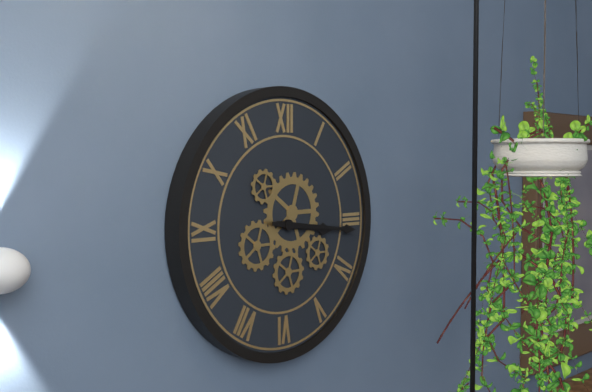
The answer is 3 h 16 min
